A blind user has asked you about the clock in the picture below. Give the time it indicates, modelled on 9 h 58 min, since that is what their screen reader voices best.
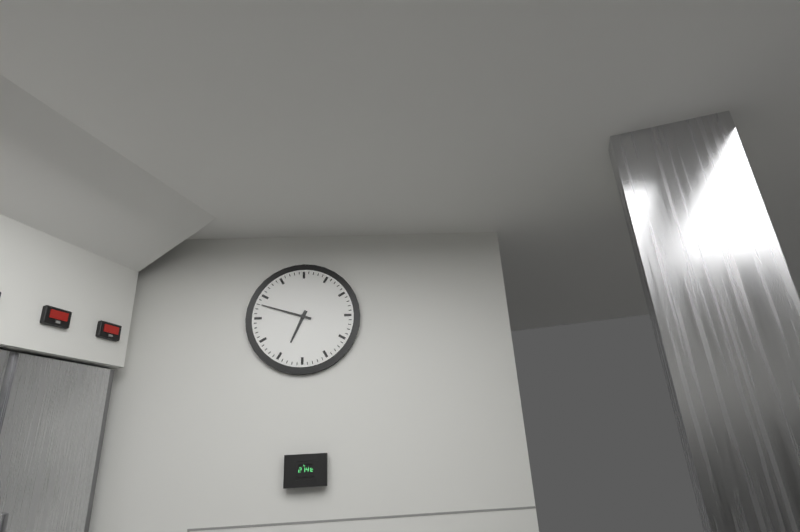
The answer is 6 h 48 min
